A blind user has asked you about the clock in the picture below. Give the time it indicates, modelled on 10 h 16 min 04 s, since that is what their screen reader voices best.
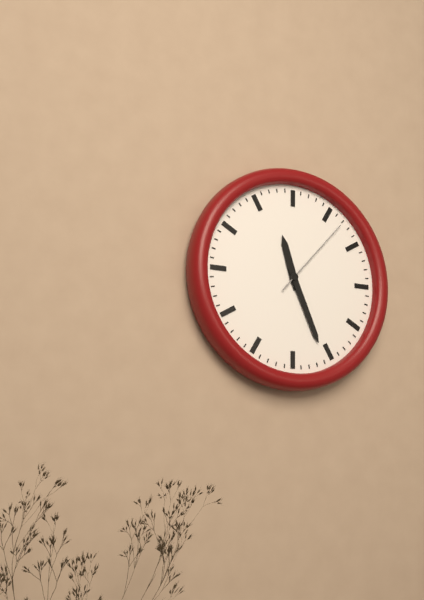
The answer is 11 h 26 min 07 s
